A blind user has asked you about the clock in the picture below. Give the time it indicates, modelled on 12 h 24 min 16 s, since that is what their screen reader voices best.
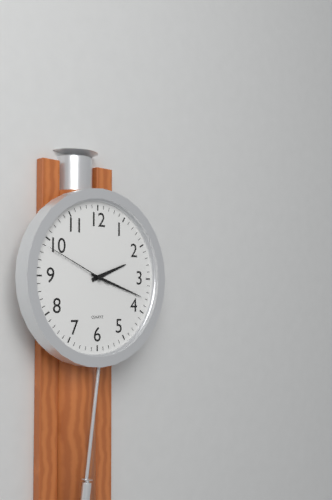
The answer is 2 h 18 min 49 s
